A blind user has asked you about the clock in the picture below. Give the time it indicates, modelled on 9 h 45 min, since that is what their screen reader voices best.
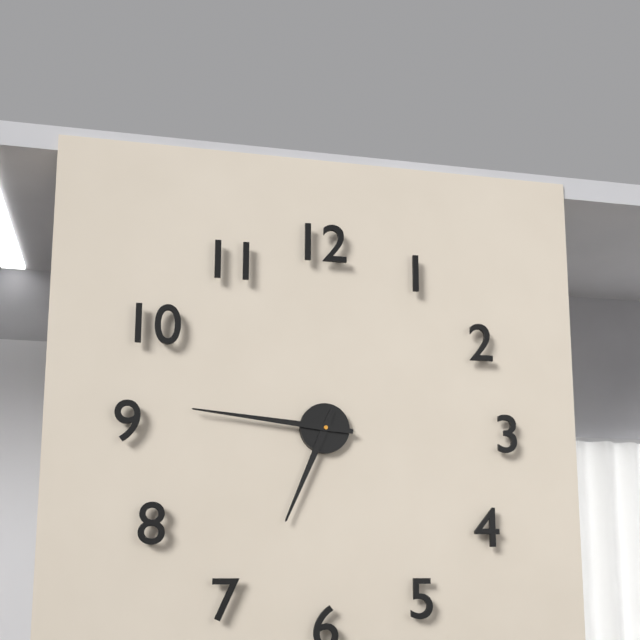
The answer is 6 h 46 min
